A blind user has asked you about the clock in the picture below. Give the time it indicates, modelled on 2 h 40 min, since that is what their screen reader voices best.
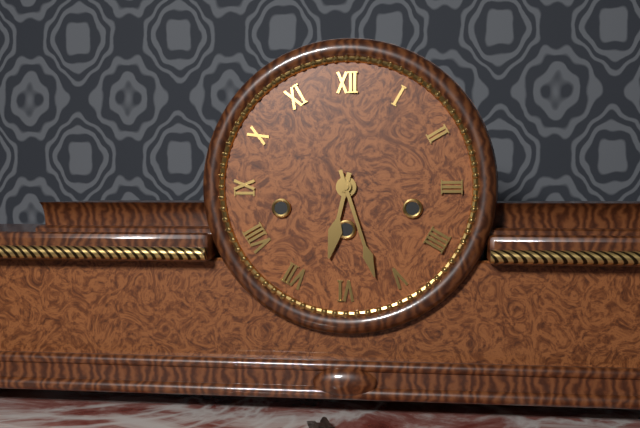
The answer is 6 h 27 min
